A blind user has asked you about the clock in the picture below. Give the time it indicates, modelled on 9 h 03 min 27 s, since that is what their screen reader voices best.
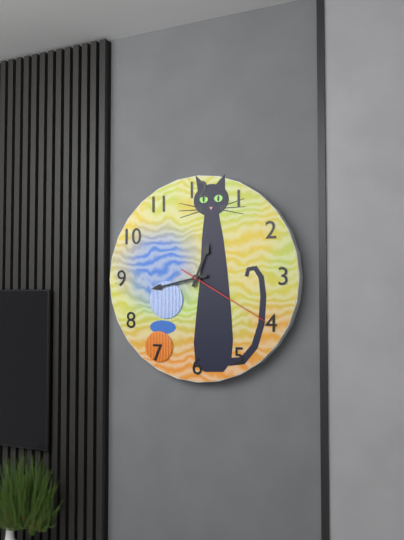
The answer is 12 h 43 min 20 s
